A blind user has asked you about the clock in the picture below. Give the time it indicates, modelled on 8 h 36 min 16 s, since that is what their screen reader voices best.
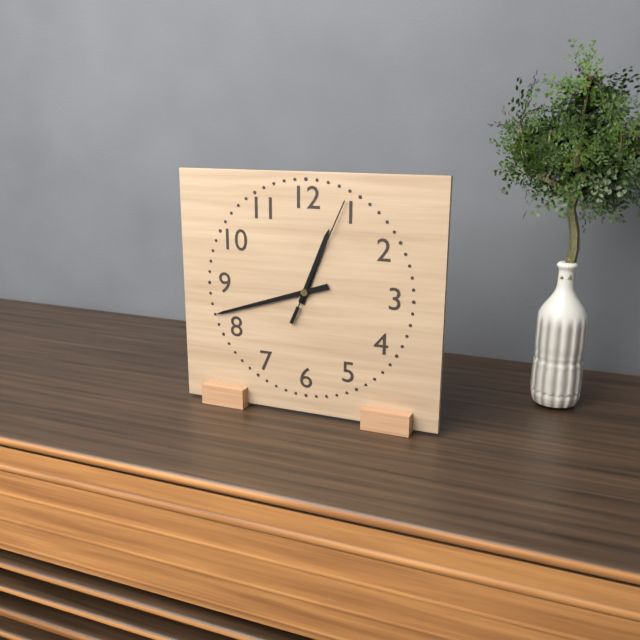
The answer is 12 h 42 min 04 s
